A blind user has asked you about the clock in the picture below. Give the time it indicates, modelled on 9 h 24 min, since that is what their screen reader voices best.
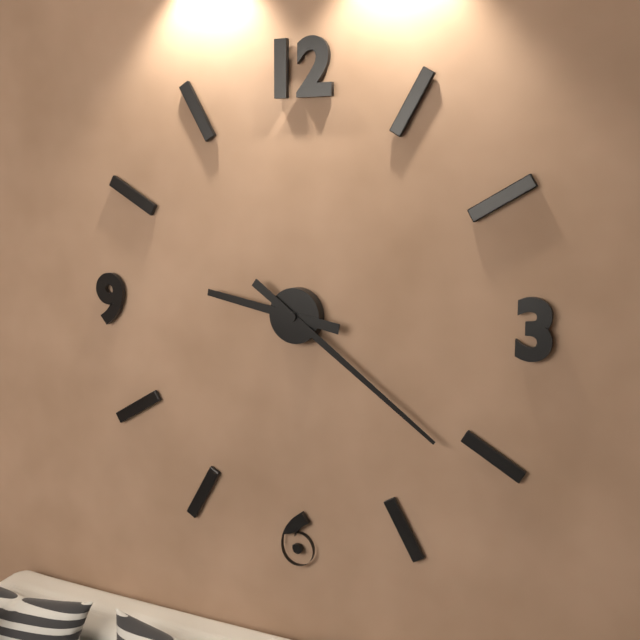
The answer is 9 h 21 min
